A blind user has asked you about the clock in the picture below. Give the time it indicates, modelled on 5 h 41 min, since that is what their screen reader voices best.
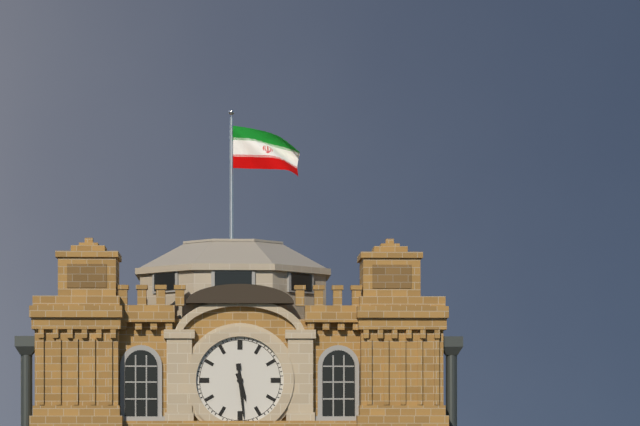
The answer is 5 h 29 min
